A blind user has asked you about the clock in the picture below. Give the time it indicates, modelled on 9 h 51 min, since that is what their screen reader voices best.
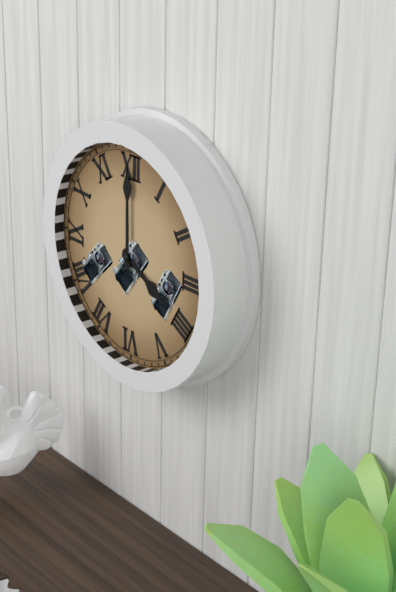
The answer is 4 h 00 min
